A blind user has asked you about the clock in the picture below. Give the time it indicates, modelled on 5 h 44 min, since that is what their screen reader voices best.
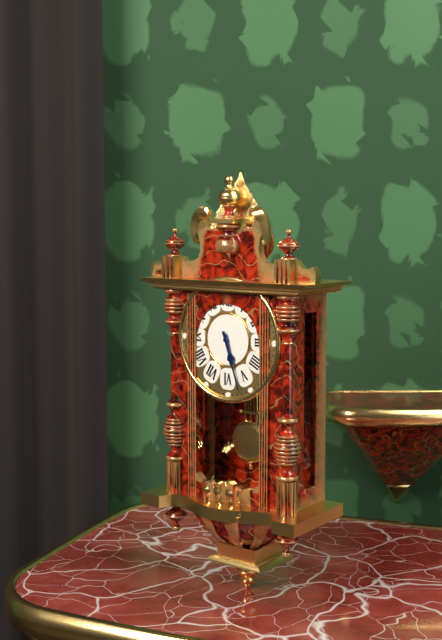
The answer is 5 h 27 min
